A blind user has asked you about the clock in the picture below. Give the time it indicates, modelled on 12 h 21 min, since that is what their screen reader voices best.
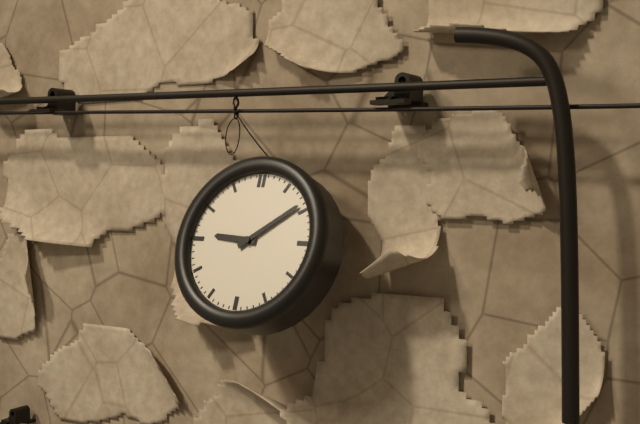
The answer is 9 h 09 min
